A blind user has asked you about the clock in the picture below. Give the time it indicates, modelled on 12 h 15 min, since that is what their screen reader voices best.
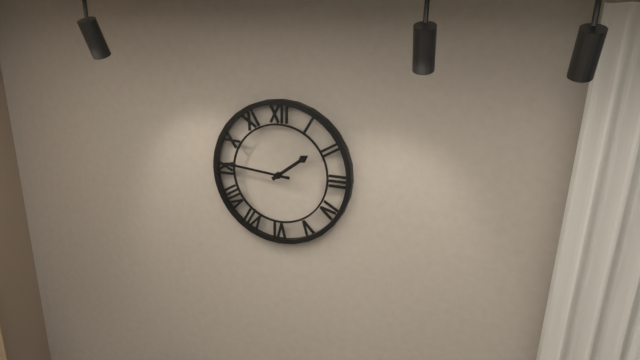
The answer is 1 h 46 min
